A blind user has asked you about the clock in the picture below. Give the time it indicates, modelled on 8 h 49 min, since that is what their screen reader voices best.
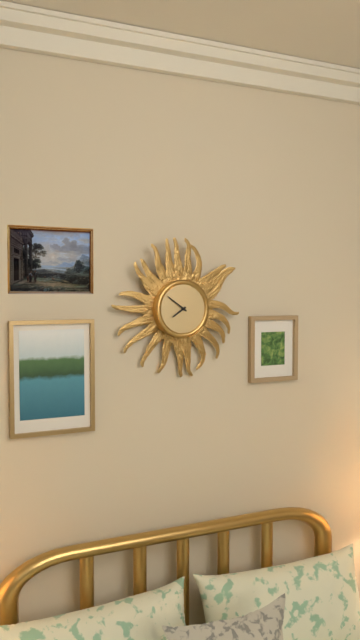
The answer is 7 h 51 min
